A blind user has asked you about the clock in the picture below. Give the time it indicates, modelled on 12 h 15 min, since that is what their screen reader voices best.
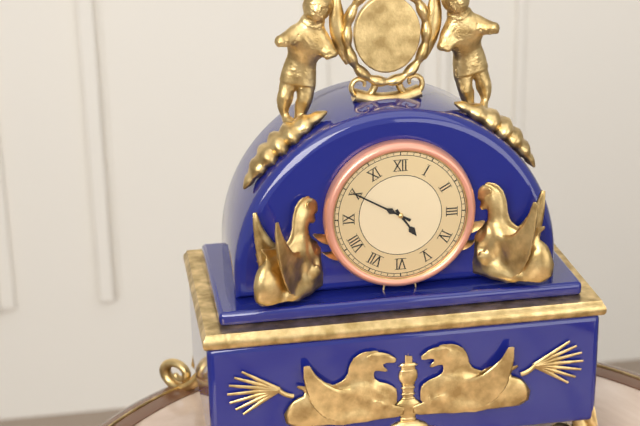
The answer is 4 h 50 min
